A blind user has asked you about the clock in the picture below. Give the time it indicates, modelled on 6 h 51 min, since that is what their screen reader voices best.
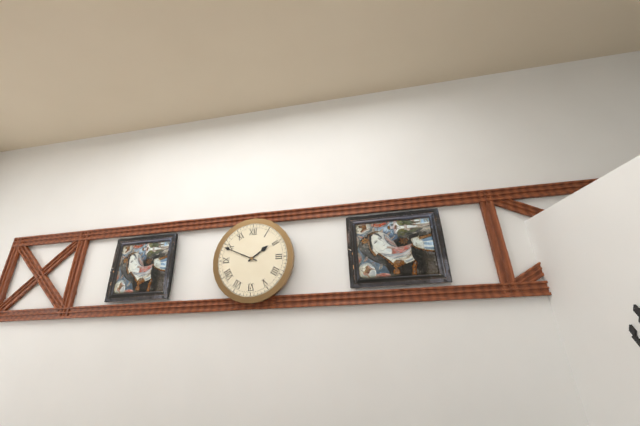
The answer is 1 h 49 min
